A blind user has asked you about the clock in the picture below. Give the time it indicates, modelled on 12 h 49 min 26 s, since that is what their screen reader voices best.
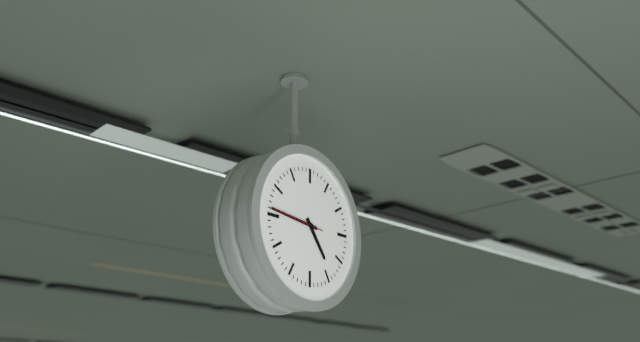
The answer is 4 h 46 min 46 s
